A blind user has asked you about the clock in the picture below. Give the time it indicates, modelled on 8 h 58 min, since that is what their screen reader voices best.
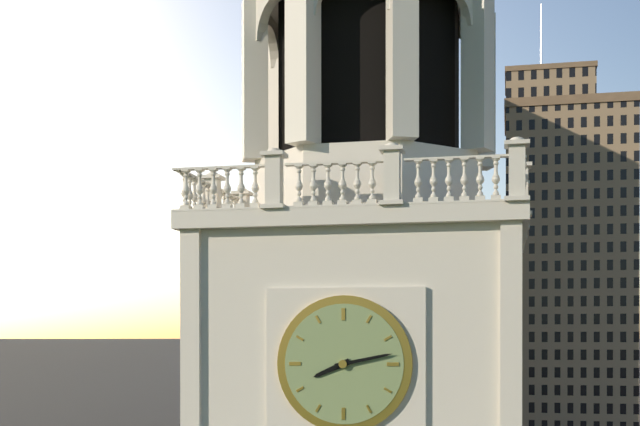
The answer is 8 h 13 min
